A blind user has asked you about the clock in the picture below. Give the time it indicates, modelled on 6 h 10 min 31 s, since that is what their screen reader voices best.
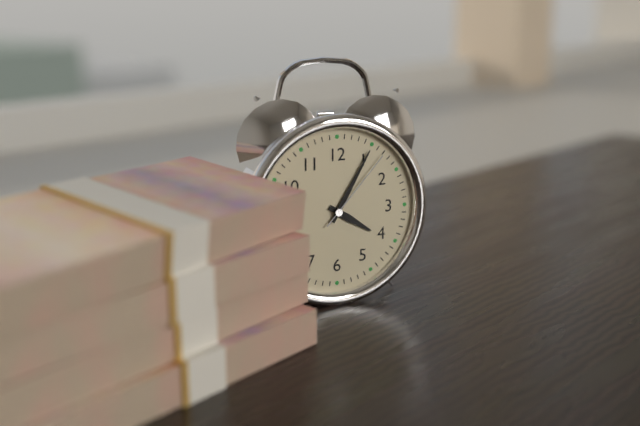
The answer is 4 h 05 min 07 s
